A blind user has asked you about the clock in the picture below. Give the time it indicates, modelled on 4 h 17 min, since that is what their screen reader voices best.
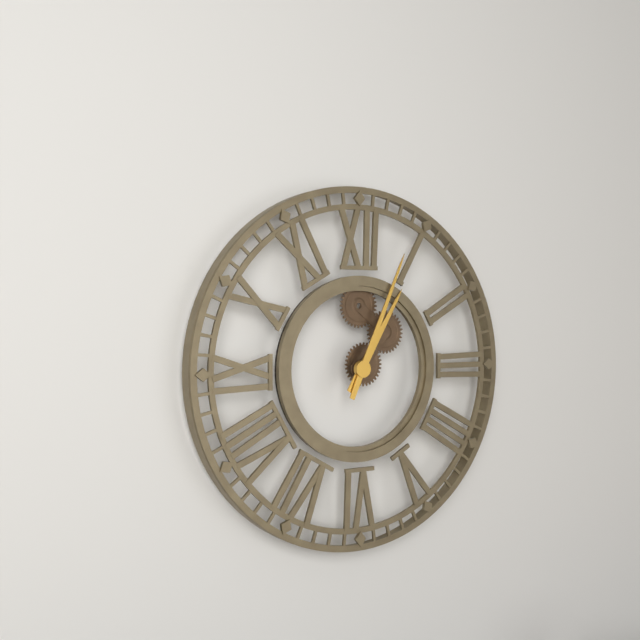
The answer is 1 h 04 min
